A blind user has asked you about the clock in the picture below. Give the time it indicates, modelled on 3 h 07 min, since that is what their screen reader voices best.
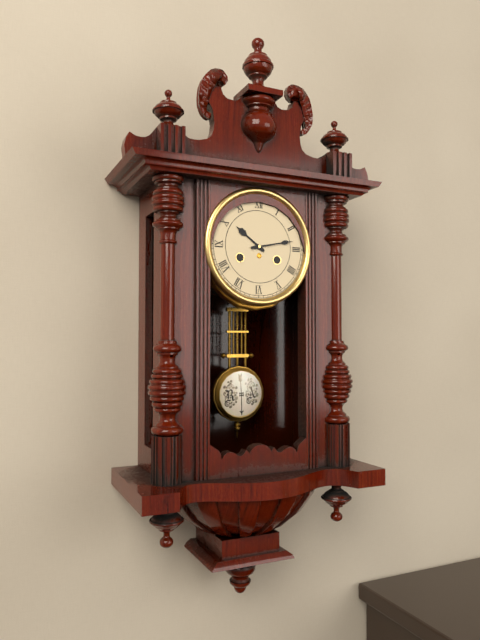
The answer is 10 h 13 min
